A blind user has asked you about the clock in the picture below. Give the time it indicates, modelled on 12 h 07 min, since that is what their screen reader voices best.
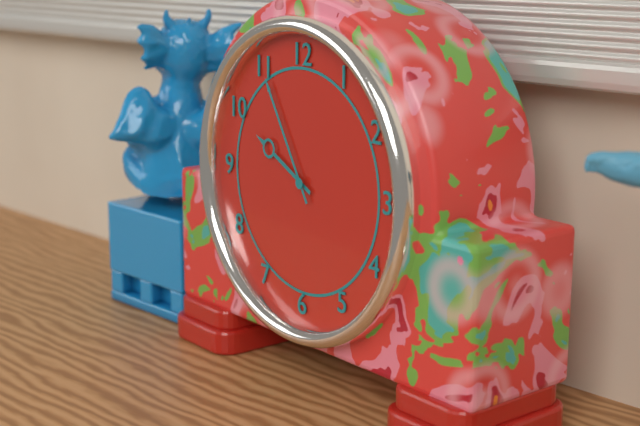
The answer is 9 h 55 min
